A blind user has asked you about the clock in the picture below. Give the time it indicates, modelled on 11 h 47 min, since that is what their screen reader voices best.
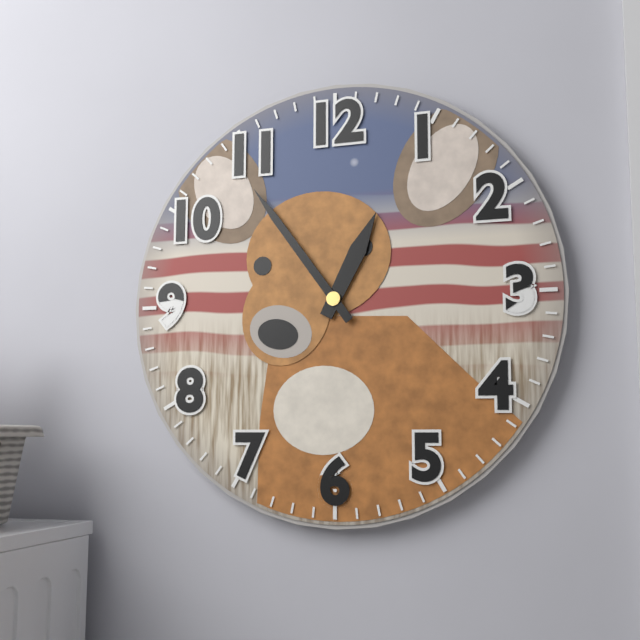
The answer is 12 h 54 min
